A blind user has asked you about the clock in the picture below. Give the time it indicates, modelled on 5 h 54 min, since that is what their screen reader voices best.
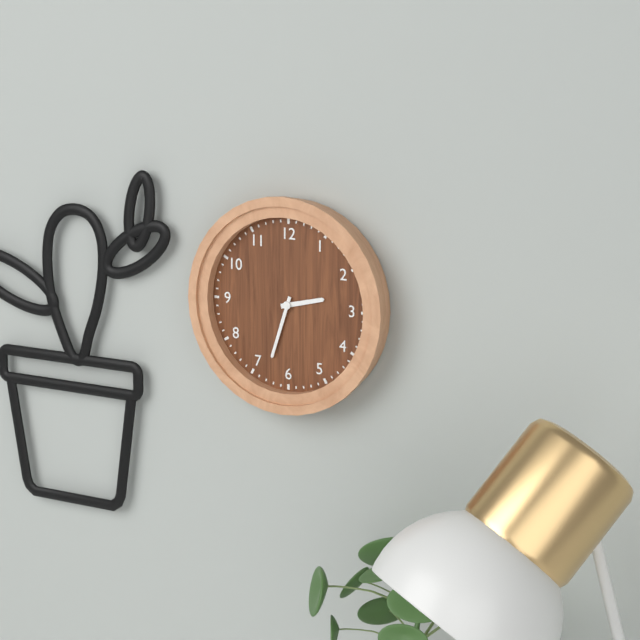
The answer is 2 h 33 min
